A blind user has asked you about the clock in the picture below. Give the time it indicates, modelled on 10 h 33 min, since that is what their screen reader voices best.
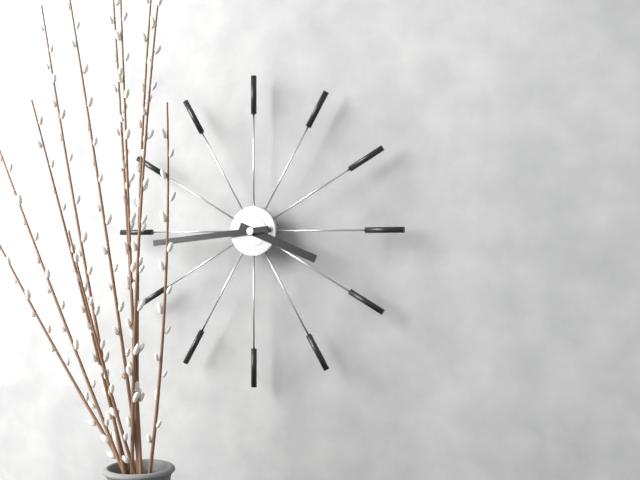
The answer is 3 h 44 min
